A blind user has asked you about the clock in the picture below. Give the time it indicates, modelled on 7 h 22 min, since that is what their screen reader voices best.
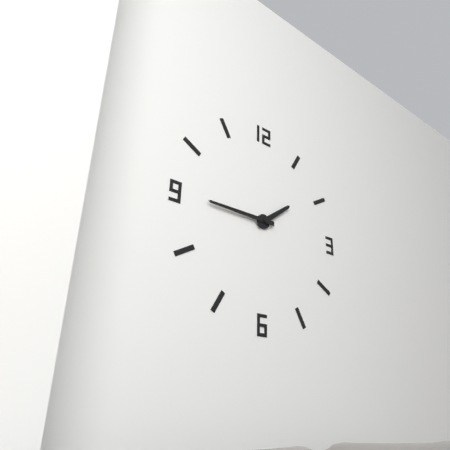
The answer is 1 h 45 min
